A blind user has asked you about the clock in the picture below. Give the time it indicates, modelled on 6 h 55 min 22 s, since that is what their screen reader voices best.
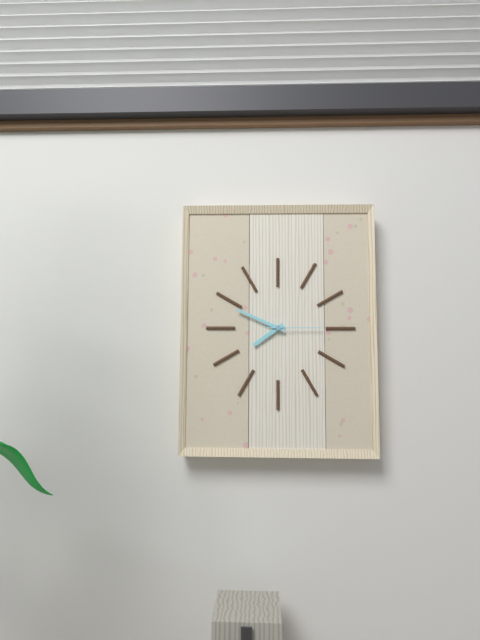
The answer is 7 h 49 min 15 s
